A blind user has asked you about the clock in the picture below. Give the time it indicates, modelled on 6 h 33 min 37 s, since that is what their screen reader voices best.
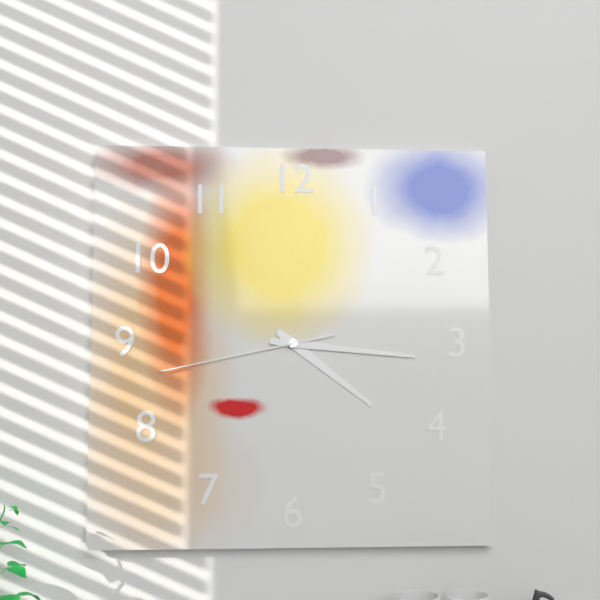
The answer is 4 h 16 min 43 s
